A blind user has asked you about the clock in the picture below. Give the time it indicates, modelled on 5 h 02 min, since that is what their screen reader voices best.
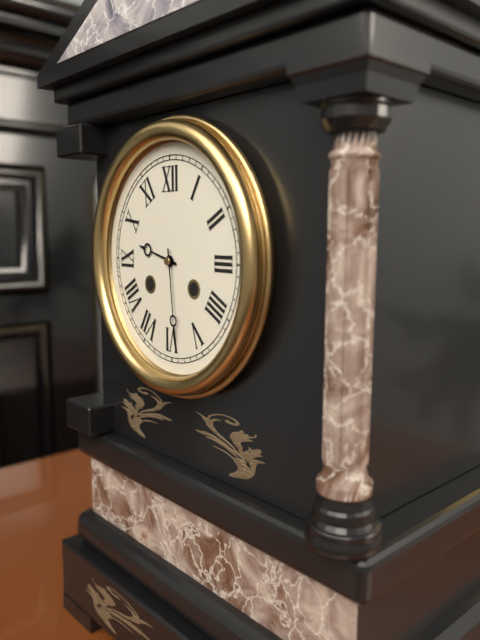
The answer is 9 h 29 min
